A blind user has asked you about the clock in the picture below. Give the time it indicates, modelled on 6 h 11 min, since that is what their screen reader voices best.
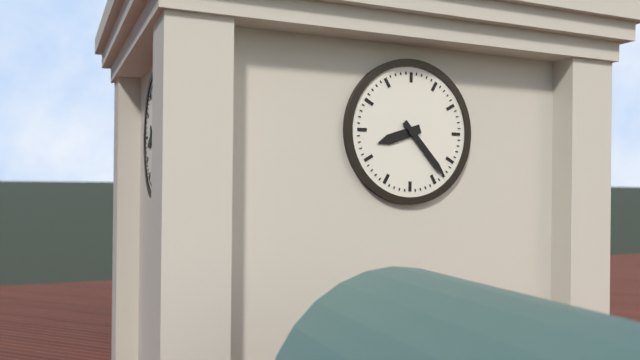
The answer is 8 h 23 min
